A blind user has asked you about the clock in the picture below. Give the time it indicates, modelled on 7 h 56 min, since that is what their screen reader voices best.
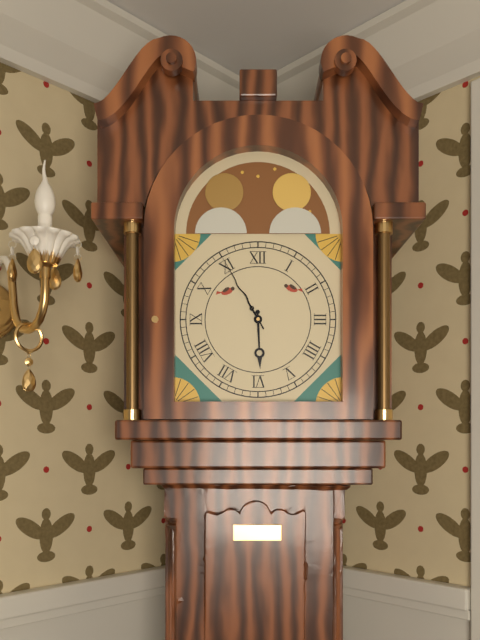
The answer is 5 h 55 min
